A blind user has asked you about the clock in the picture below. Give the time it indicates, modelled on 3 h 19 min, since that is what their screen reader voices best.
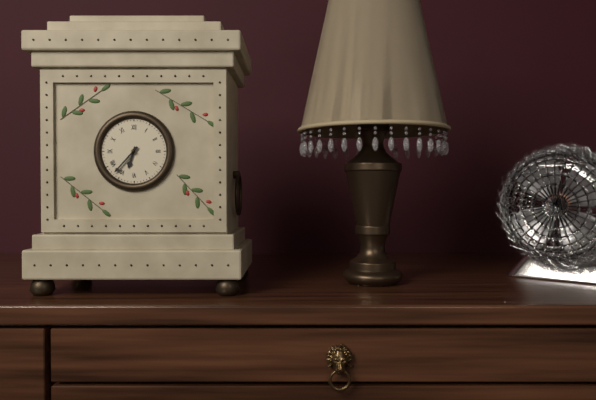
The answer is 6 h 37 min
